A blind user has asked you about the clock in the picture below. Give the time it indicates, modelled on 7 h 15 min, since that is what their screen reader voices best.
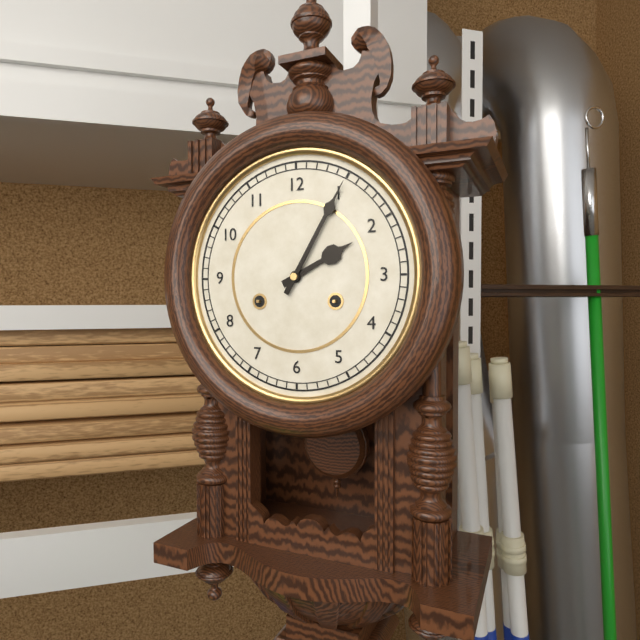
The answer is 2 h 05 min
